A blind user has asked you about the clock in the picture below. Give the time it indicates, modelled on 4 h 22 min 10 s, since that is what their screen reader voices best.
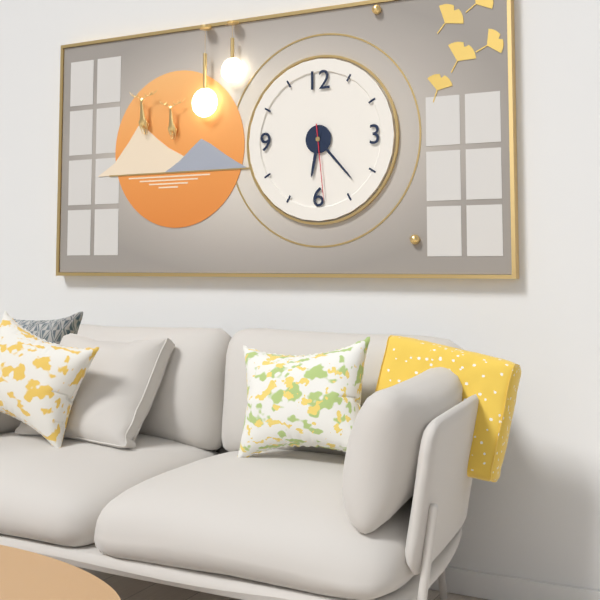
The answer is 6 h 23 min 29 s
